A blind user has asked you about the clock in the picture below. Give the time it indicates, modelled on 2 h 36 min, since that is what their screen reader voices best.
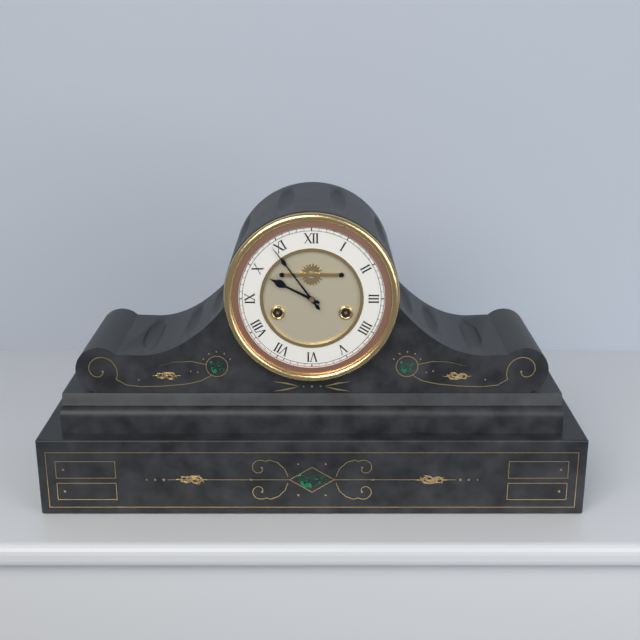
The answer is 9 h 54 min
